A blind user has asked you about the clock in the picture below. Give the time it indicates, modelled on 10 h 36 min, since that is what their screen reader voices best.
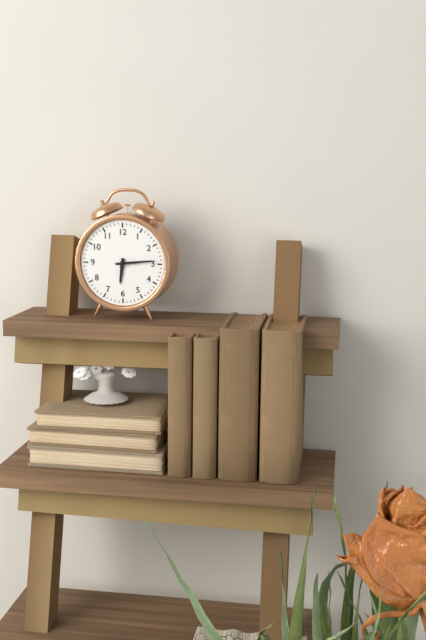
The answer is 6 h 14 min
